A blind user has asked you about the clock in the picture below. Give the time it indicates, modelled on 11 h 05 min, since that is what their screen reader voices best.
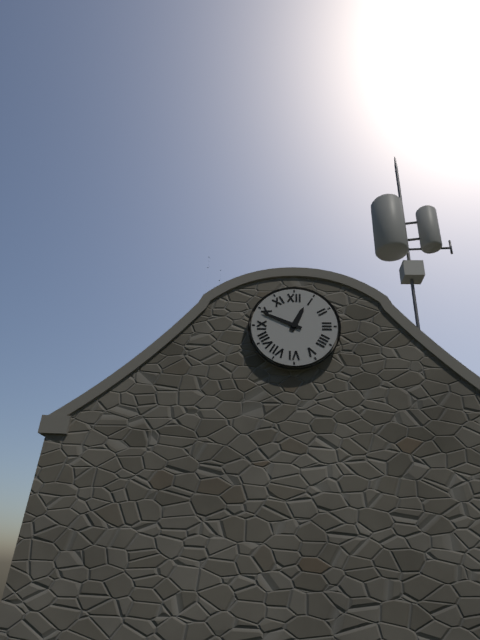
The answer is 12 h 49 min
